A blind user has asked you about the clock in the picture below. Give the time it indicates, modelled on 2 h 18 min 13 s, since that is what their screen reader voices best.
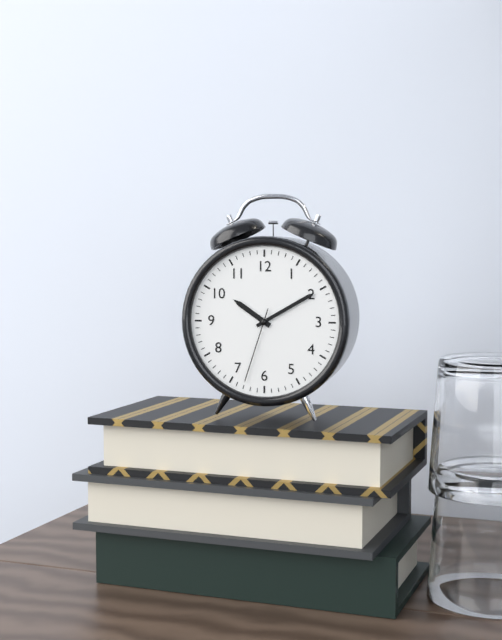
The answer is 10 h 10 min 33 s
